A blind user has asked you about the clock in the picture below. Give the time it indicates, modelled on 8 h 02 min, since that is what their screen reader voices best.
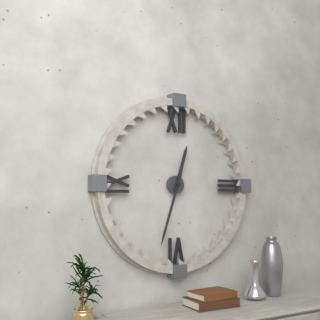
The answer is 12 h 33 min
